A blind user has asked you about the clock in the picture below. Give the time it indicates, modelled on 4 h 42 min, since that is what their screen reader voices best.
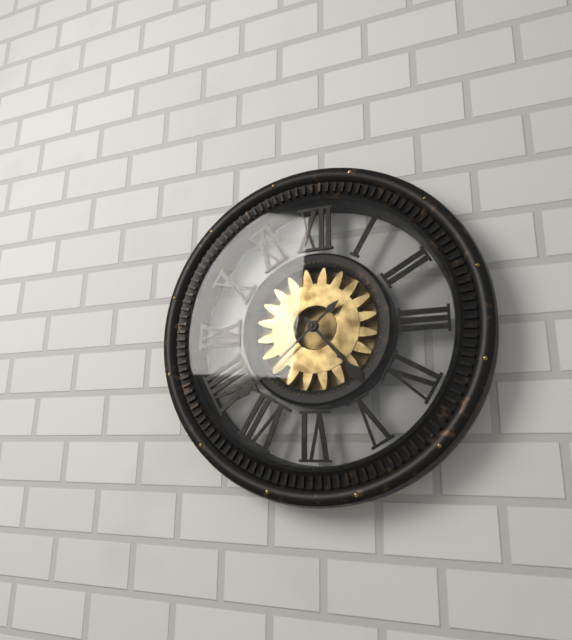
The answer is 4 h 38 min
